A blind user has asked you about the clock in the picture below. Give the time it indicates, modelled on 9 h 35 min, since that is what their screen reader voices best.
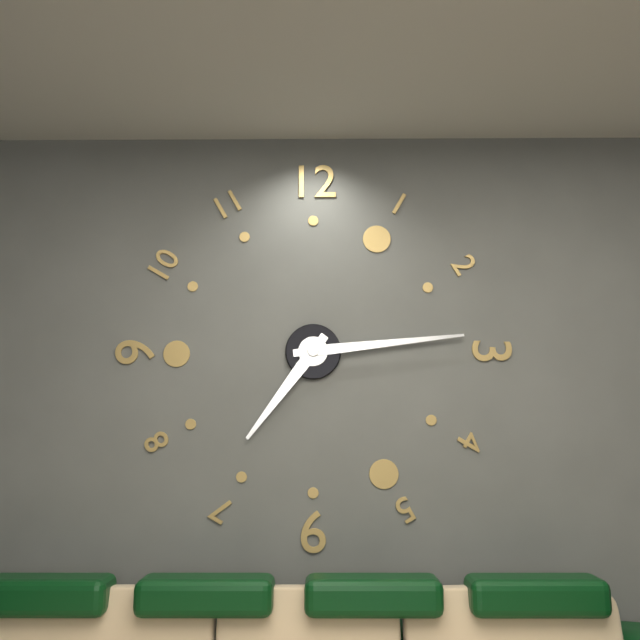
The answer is 7 h 14 min
